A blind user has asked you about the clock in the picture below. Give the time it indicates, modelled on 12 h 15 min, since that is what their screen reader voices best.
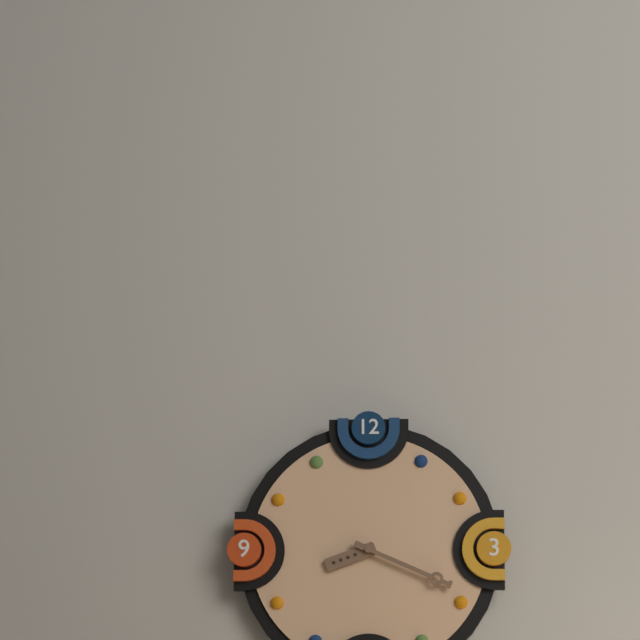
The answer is 8 h 19 min
